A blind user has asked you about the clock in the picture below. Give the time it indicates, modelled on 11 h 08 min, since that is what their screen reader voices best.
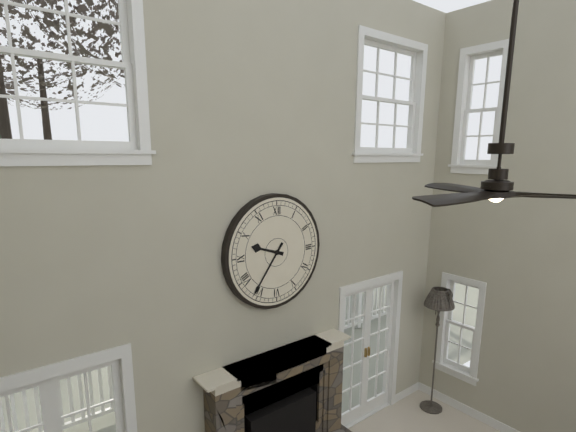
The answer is 9 h 36 min
